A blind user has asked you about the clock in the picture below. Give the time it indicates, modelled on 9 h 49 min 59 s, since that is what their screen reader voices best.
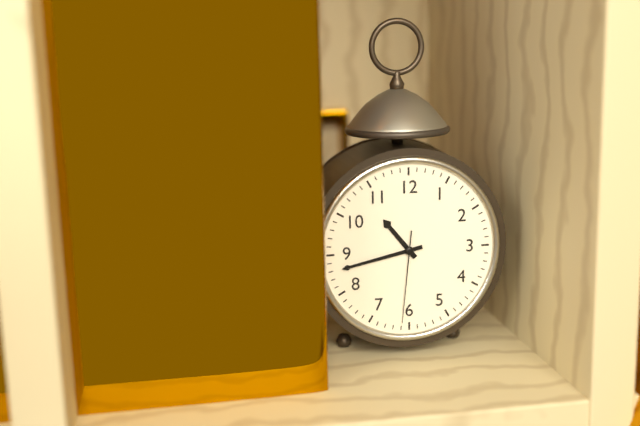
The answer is 10 h 43 min 31 s
